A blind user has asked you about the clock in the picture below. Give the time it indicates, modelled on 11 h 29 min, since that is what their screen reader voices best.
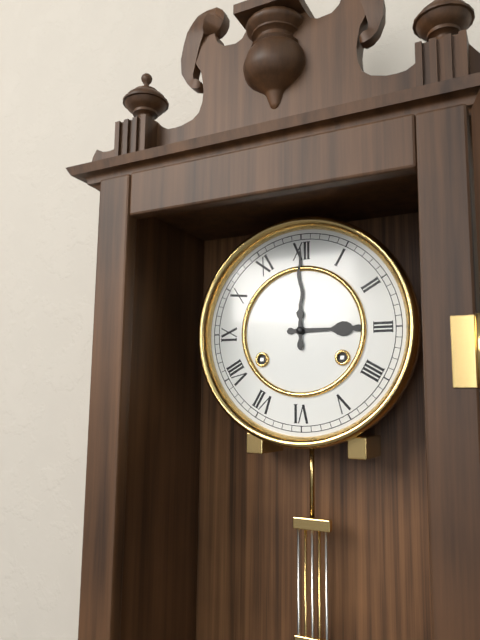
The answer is 3 h 00 min
